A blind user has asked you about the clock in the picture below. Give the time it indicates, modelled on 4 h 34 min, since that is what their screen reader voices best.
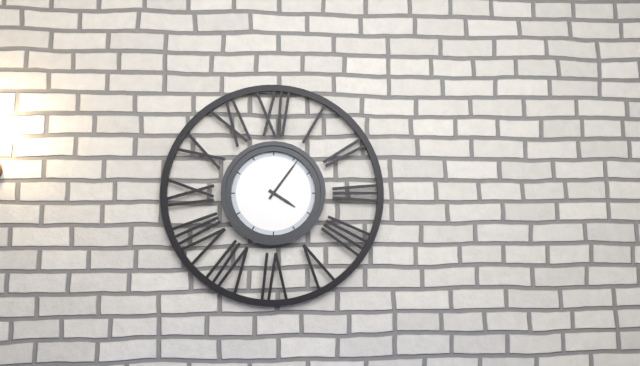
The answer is 4 h 06 min
